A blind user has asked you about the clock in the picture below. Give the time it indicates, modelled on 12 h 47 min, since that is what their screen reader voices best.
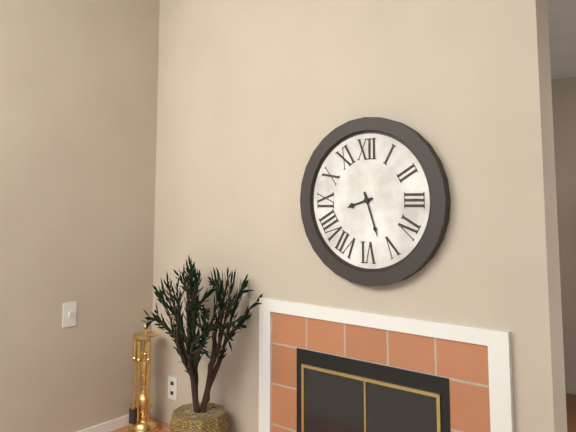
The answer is 8 h 27 min
